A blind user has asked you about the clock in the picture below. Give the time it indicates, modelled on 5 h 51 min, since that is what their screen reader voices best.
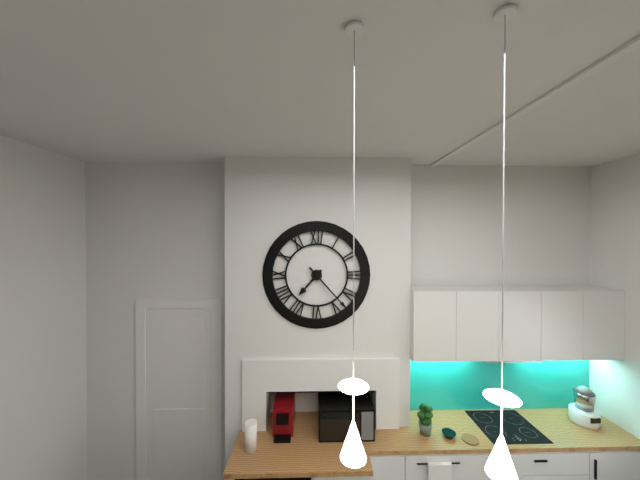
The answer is 7 h 23 min
